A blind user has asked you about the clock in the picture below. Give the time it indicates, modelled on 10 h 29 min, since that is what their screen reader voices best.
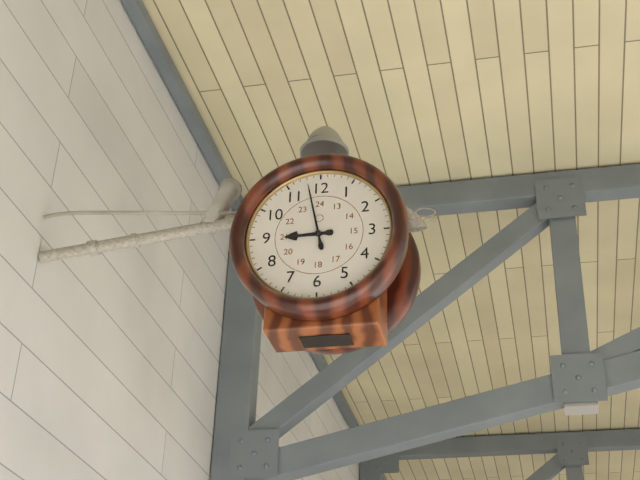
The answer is 8 h 58 min
